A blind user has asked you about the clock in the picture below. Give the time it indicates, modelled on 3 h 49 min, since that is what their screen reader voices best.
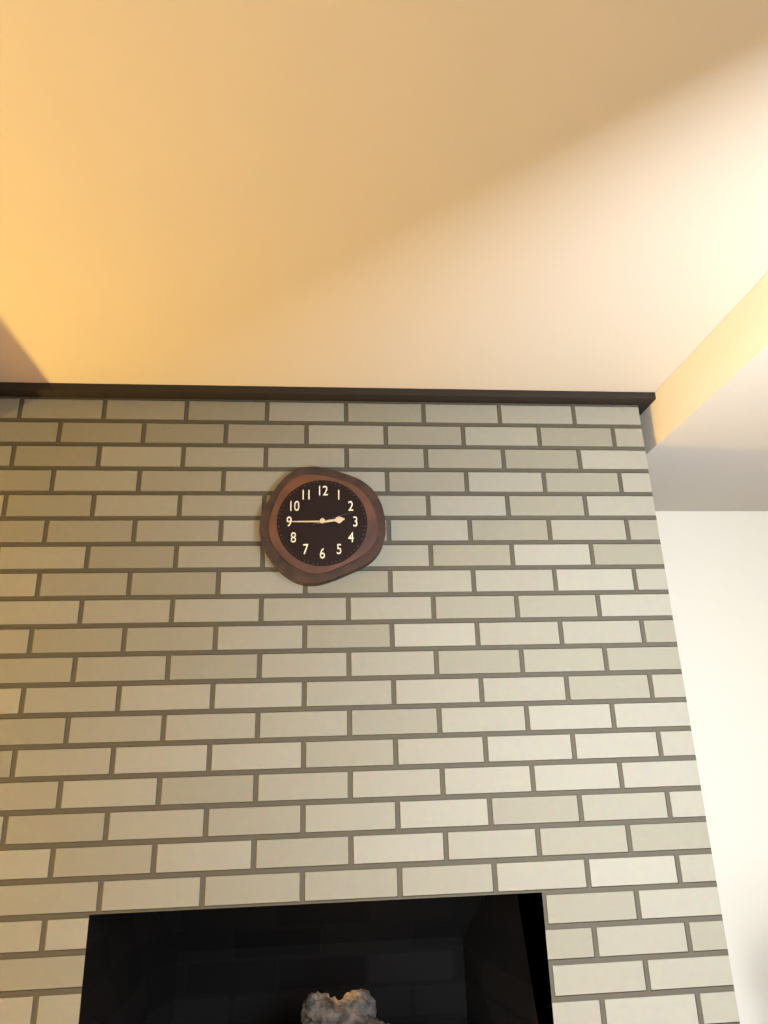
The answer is 2 h 45 min
